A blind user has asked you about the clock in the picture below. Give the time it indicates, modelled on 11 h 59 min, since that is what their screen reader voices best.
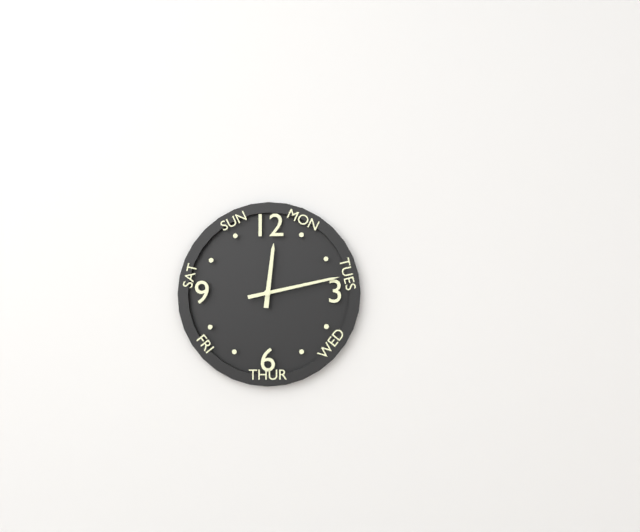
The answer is 12 h 13 min
